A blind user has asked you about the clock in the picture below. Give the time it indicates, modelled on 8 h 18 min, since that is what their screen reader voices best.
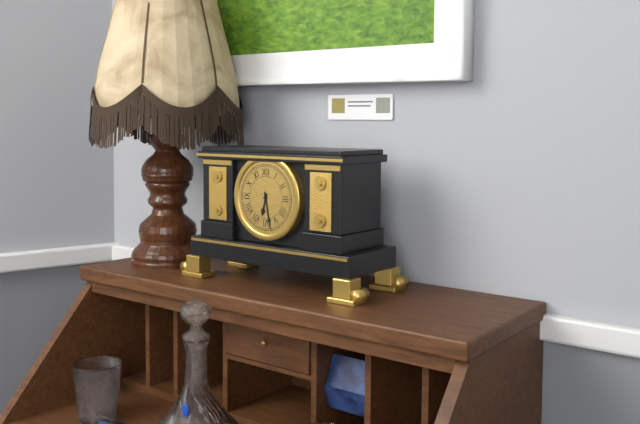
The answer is 6 h 28 min
